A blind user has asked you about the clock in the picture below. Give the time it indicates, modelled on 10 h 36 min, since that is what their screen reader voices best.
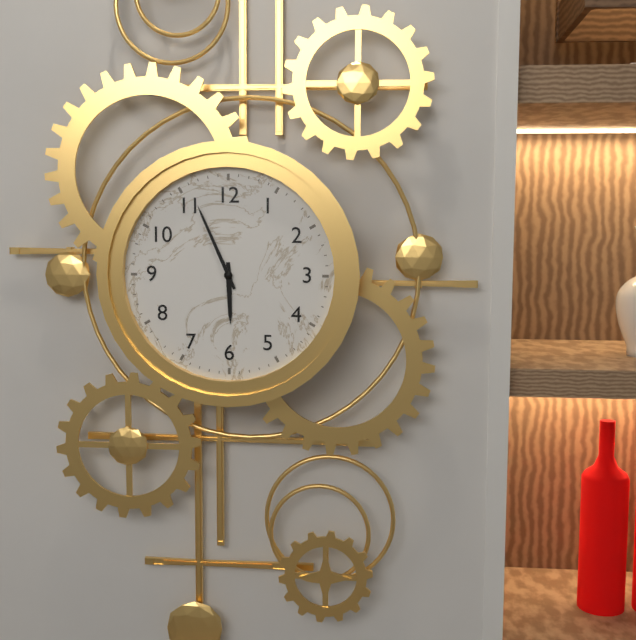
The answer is 5 h 56 min
